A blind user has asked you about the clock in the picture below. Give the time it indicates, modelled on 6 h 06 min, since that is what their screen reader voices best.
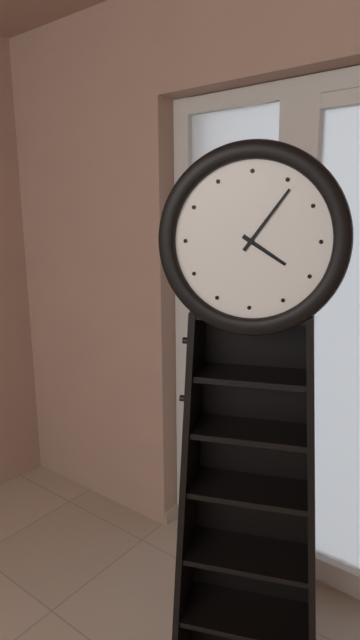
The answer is 4 h 06 min
